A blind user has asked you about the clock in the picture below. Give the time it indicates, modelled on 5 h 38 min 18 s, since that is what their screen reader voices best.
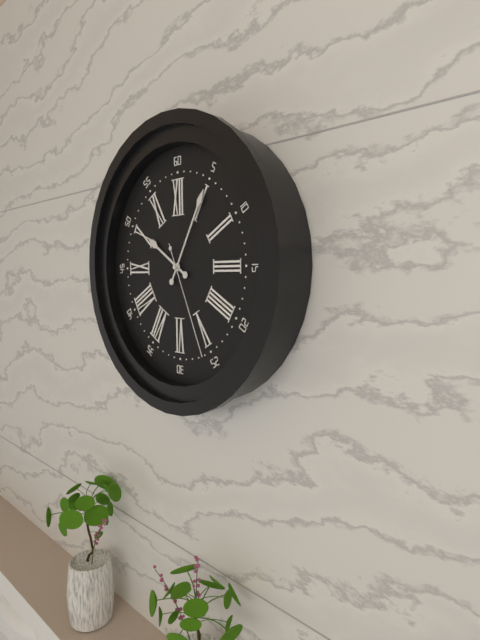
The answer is 10 h 05 min 26 s
